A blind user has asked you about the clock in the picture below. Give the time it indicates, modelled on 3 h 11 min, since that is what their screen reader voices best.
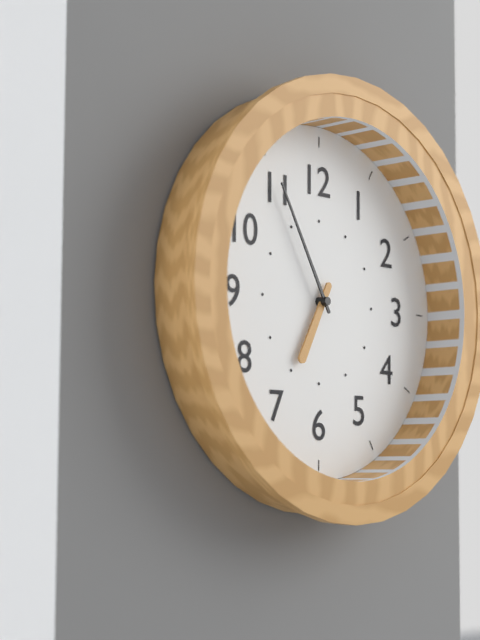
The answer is 6 h 55 min
